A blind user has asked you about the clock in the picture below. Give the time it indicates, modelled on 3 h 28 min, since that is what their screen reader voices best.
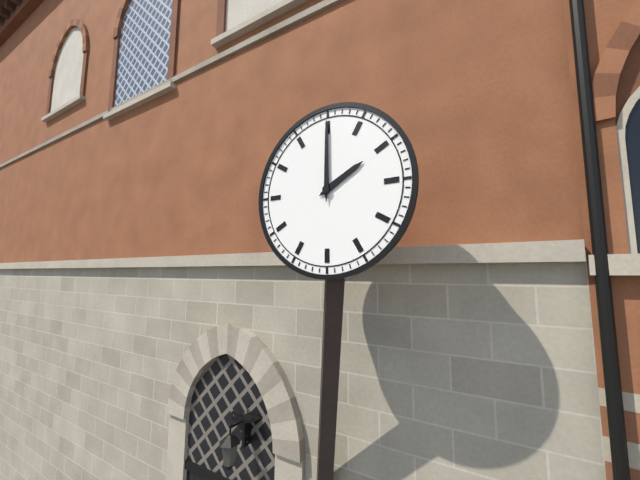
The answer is 2 h 00 min
